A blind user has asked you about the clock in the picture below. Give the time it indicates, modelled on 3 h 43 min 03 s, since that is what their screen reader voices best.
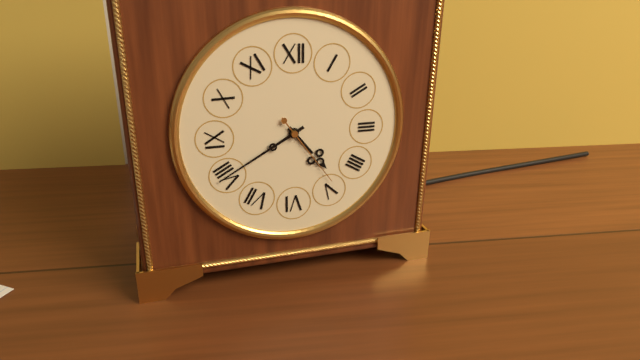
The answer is 4 h 40 min 24 s
